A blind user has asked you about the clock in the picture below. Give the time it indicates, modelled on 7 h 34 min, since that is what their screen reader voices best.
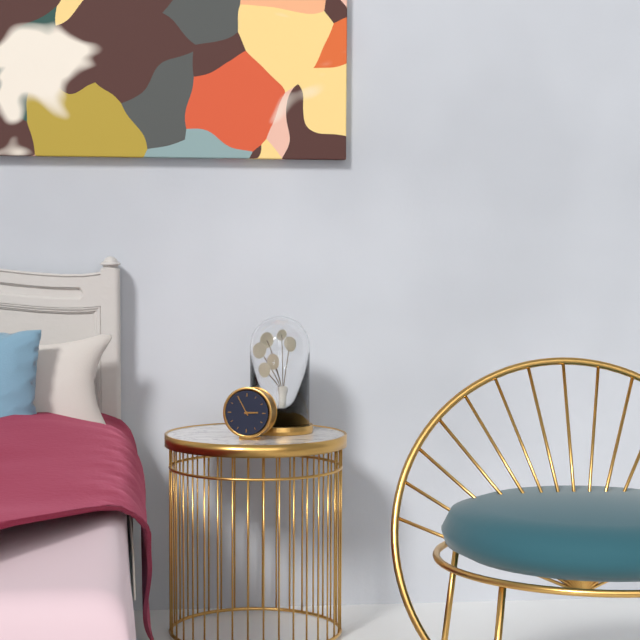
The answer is 2 h 55 min
